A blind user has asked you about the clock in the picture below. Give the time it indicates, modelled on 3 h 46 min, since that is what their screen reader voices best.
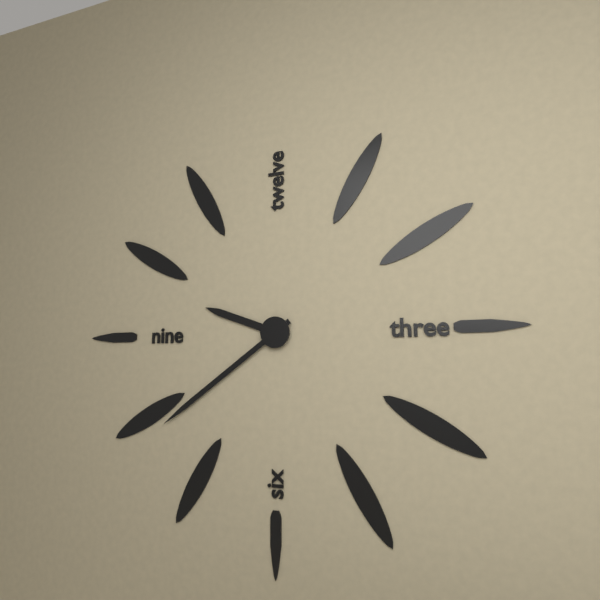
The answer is 9 h 39 min
